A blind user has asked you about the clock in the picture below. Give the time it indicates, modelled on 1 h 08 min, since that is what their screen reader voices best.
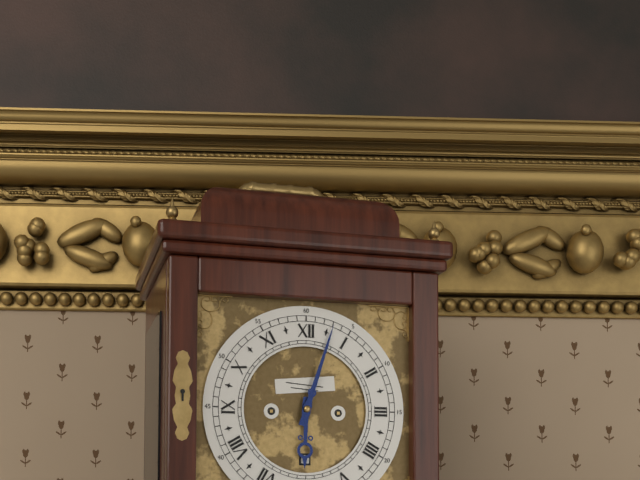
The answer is 6 h 03 min
